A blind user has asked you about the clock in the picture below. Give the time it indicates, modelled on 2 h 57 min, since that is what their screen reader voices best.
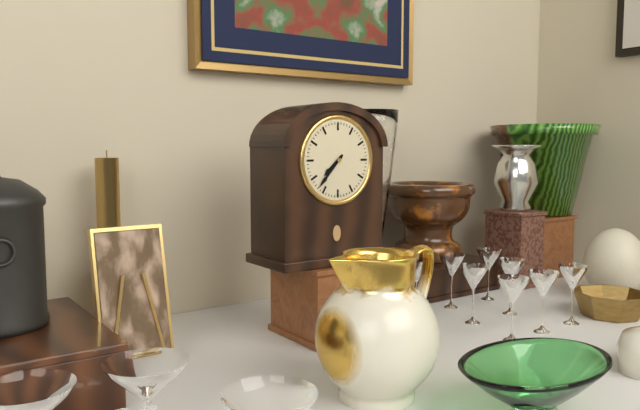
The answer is 7 h 37 min
